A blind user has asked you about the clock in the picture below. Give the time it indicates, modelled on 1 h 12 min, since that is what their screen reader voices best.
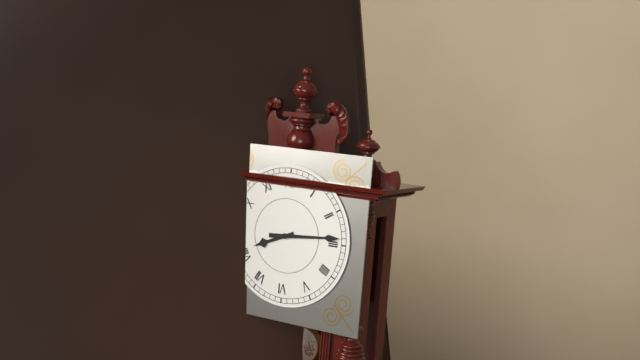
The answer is 8 h 14 min
